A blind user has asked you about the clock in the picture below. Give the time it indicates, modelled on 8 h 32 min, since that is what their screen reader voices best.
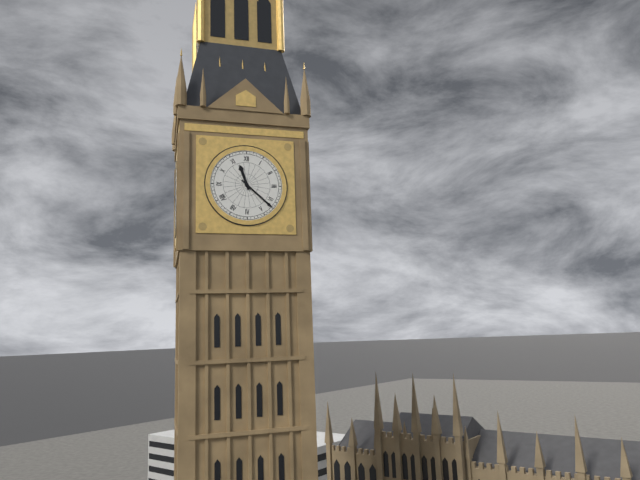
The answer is 11 h 22 min
